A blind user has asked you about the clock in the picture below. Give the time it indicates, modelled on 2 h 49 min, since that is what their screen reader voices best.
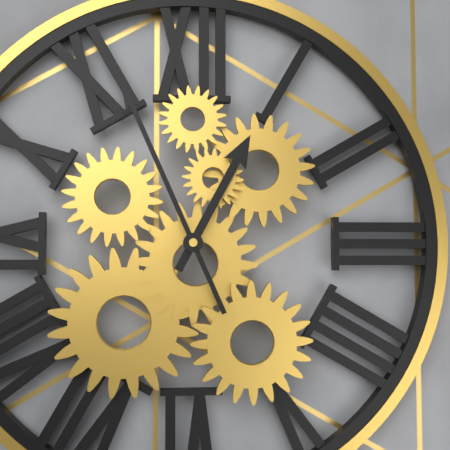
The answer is 12 h 56 min
